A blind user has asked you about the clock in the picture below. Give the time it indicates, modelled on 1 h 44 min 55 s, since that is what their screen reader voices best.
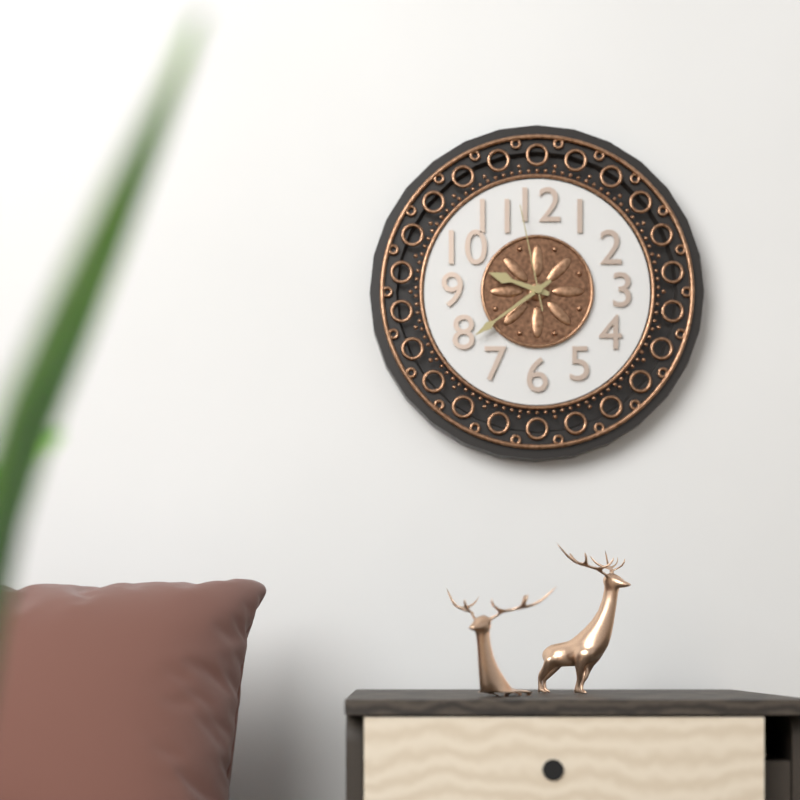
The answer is 9 h 39 min 58 s
